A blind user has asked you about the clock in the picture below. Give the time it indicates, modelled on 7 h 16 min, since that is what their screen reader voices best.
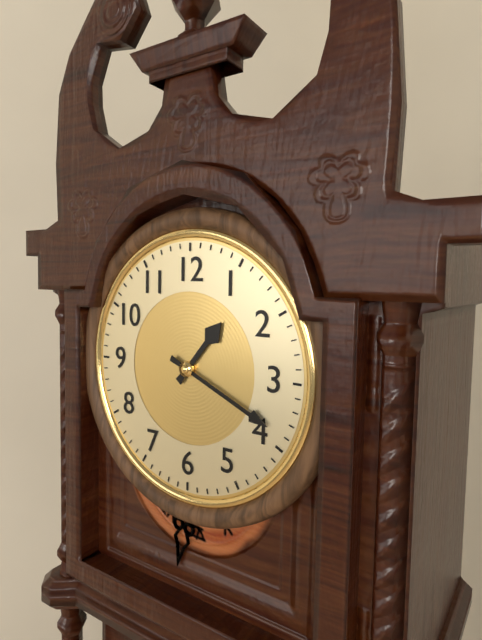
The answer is 1 h 19 min
